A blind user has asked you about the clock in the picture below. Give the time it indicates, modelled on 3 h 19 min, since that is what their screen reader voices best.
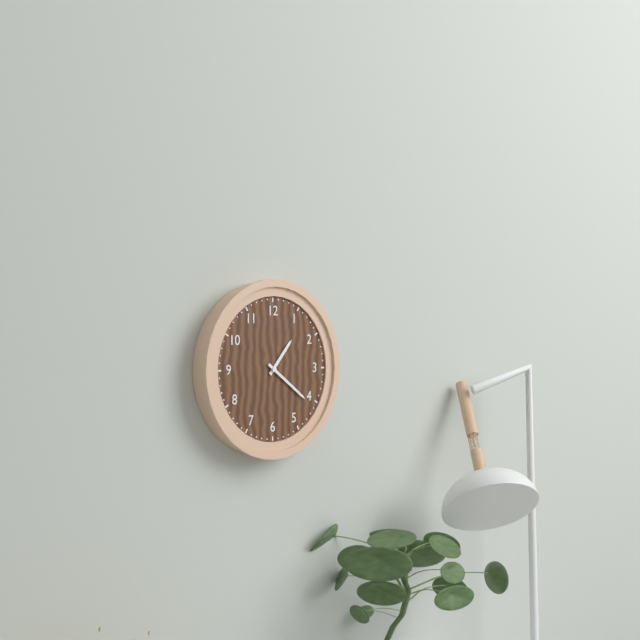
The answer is 1 h 21 min
